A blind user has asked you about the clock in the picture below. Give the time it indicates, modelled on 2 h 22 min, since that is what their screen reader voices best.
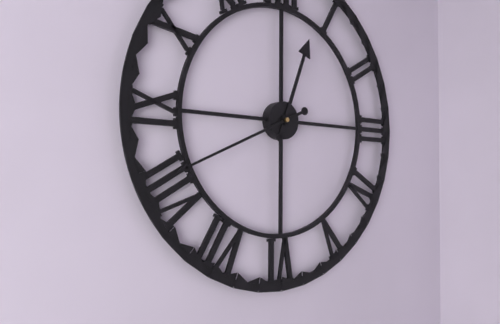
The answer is 12 h 41 min
